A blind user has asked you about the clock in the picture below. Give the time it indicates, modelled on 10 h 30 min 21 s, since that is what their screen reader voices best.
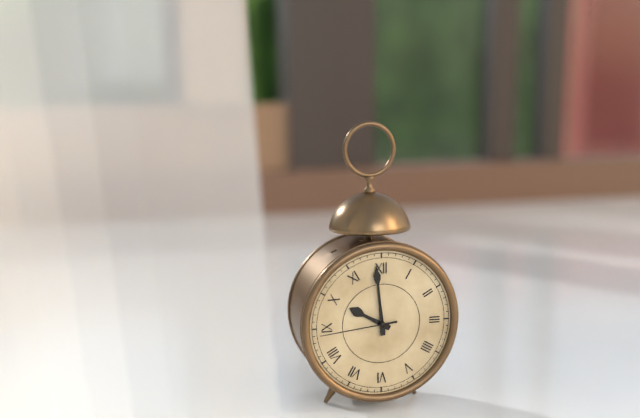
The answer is 9 h 59 min 44 s
